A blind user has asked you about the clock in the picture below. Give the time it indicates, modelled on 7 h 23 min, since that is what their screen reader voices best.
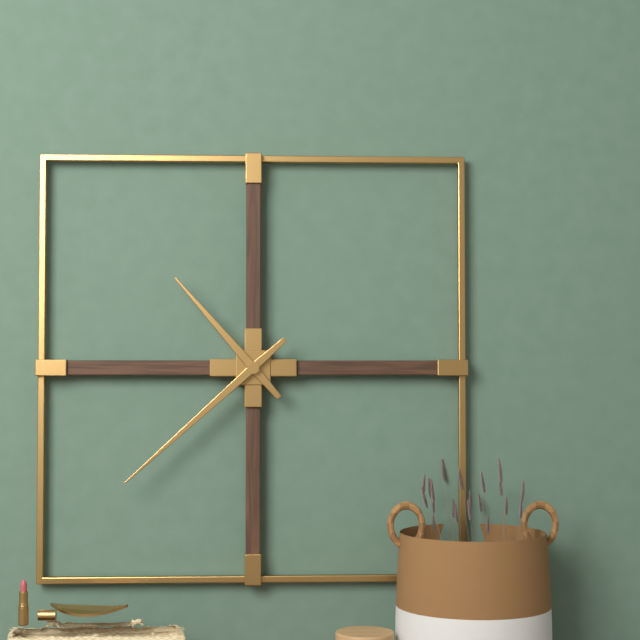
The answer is 10 h 38 min
